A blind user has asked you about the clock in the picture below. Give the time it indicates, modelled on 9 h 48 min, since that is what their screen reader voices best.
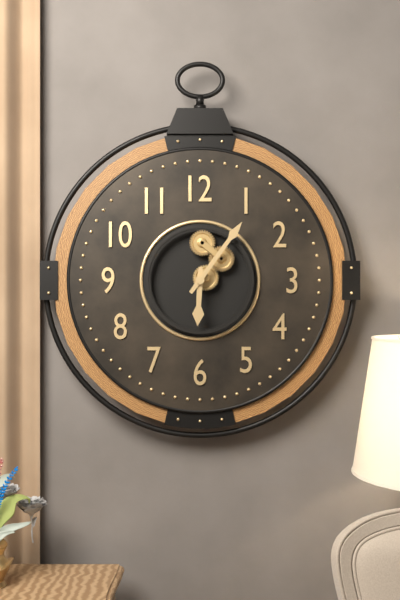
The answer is 6 h 06 min
